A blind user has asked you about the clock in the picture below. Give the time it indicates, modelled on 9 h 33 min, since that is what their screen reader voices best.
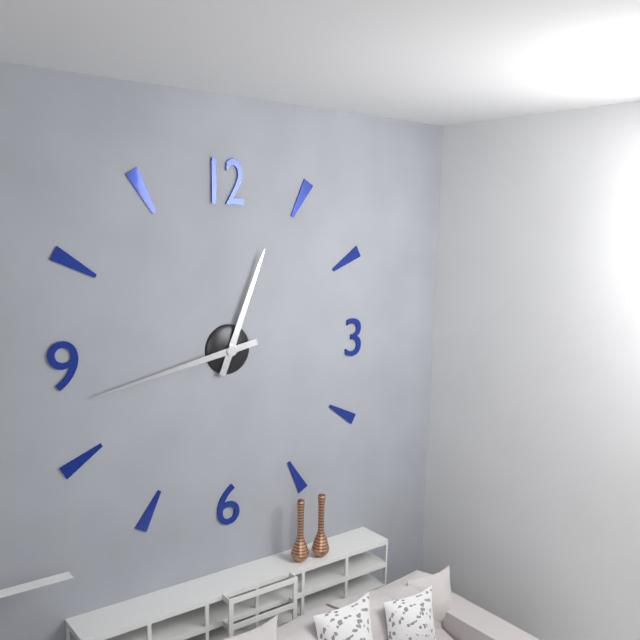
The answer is 12 h 43 min
